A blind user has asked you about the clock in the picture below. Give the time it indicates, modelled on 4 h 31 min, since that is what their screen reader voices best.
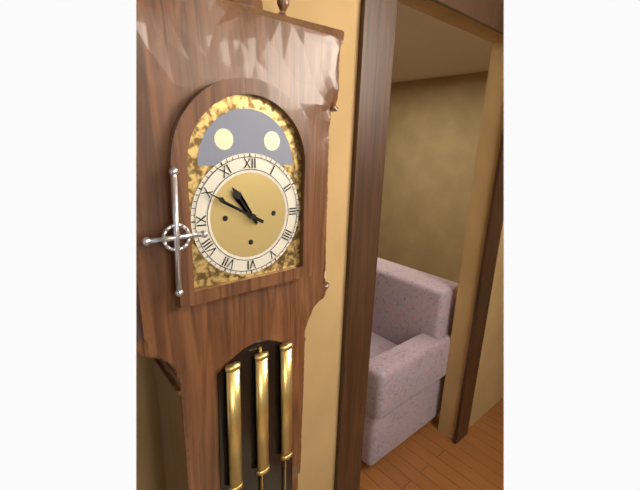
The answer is 10 h 50 min
